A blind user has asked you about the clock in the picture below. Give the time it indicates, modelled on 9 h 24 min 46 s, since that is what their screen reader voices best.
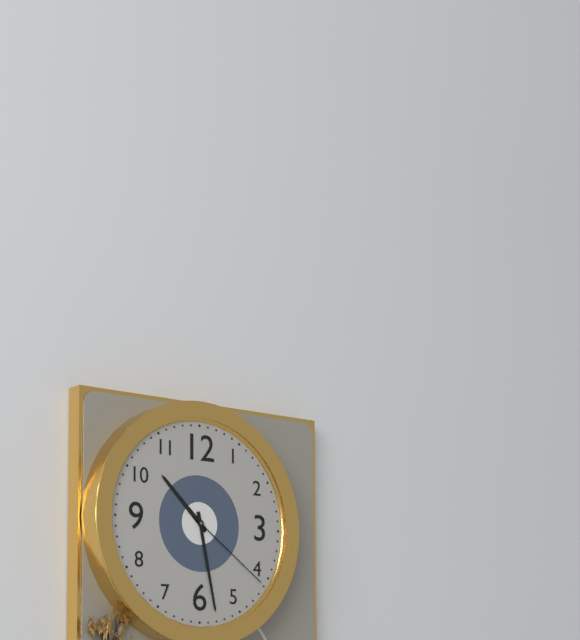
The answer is 10 h 28 min 21 s
